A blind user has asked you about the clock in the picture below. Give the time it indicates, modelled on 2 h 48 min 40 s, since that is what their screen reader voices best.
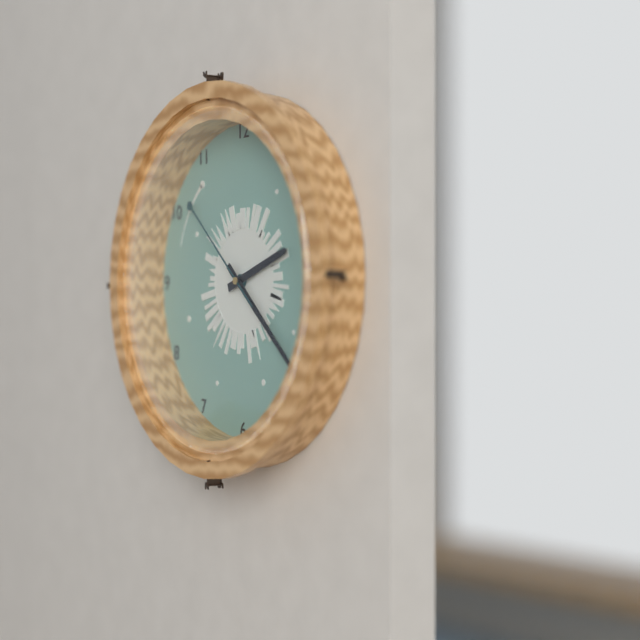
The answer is 2 h 22 min 52 s
